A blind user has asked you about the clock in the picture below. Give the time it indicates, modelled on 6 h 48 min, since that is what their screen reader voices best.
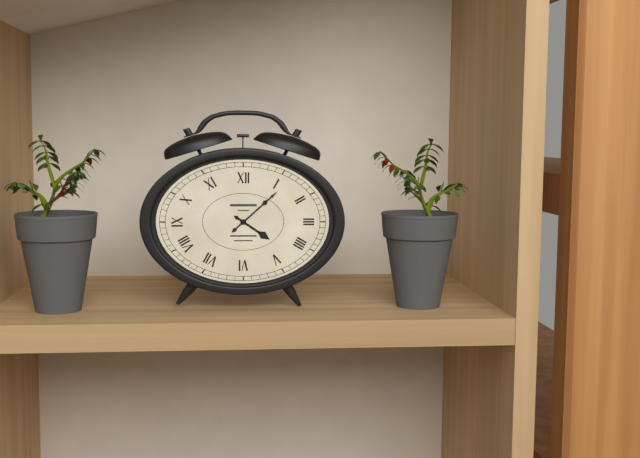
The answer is 4 h 08 min
